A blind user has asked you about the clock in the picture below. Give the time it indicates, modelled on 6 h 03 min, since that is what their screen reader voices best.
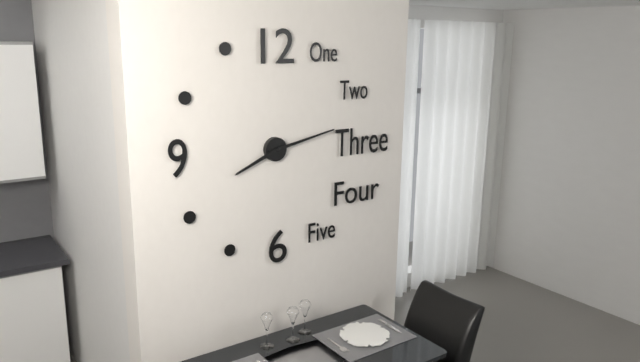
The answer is 8 h 13 min
